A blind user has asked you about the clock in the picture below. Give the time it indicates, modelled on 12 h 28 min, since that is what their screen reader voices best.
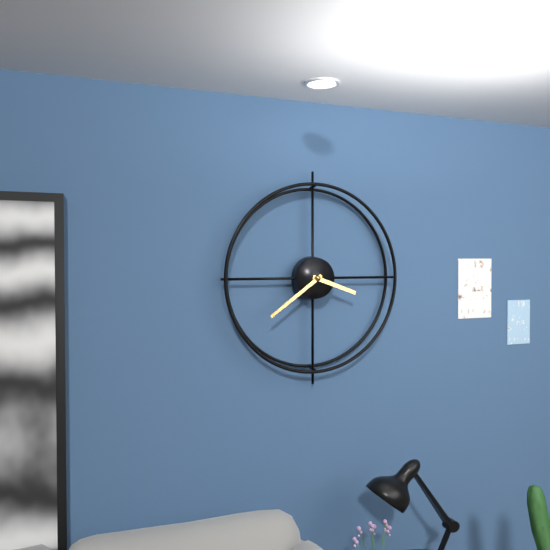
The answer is 3 h 39 min
